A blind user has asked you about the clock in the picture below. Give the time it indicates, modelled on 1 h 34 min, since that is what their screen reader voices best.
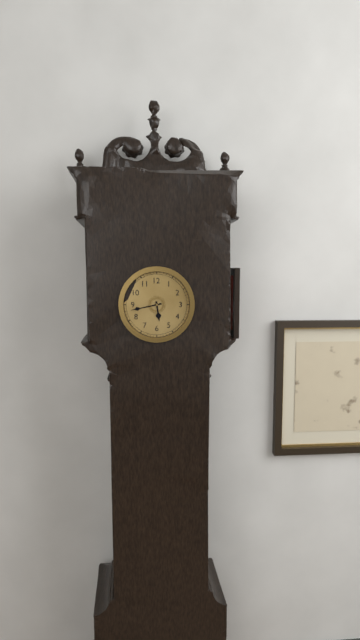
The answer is 5 h 43 min
